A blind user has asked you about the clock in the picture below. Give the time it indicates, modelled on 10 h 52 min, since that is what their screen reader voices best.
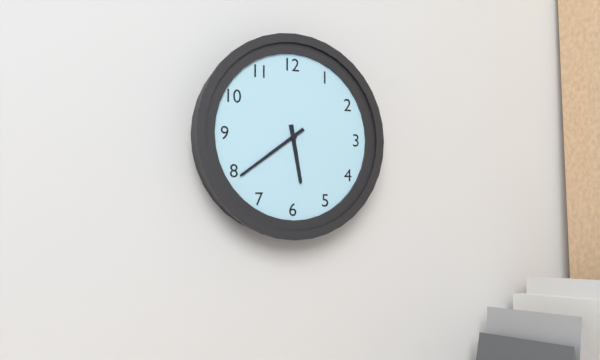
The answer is 5 h 39 min
